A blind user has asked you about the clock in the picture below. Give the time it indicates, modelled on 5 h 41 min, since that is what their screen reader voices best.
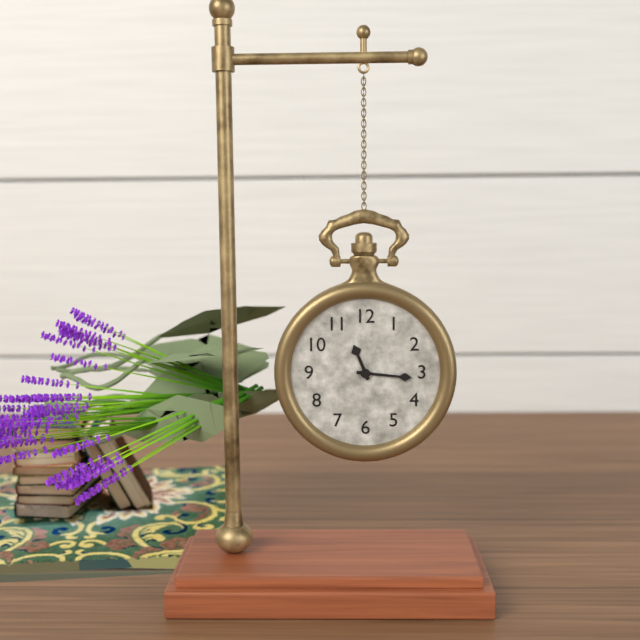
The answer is 11 h 16 min
